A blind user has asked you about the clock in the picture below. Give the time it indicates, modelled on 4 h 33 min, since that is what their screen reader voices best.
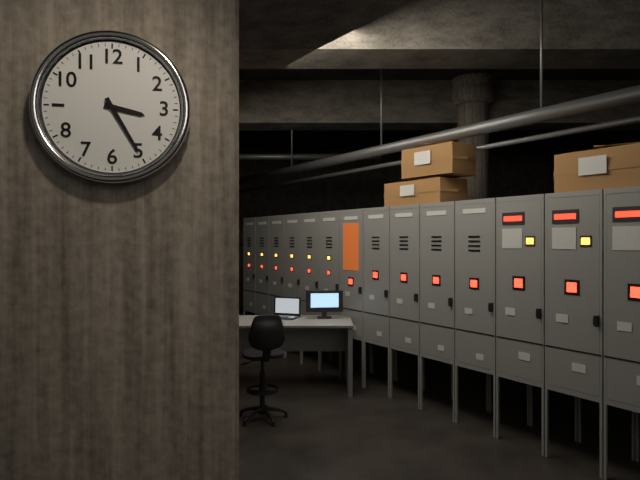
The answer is 3 h 25 min
